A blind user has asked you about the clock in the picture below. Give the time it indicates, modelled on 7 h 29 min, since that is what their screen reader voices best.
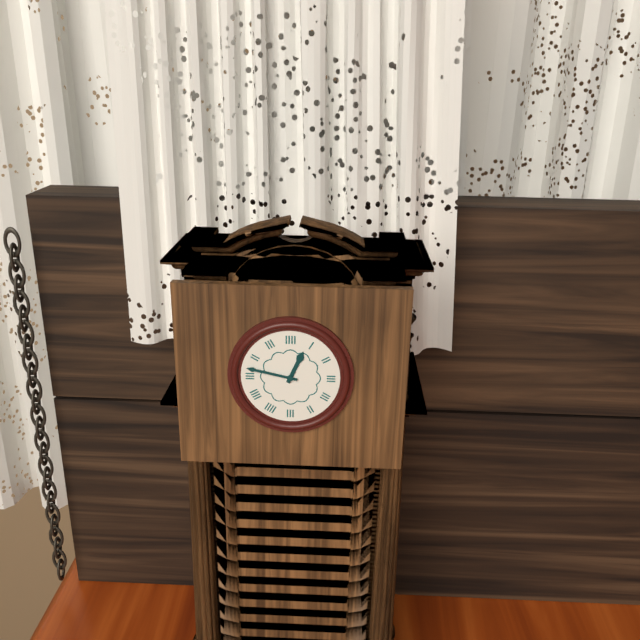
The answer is 12 h 47 min
